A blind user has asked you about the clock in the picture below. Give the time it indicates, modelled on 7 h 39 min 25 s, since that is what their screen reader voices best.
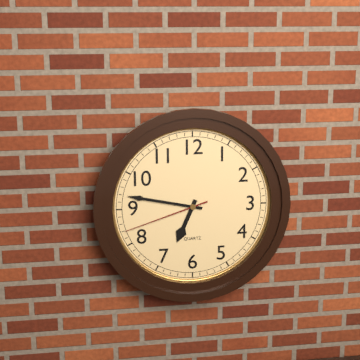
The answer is 6 h 47 min 42 s
